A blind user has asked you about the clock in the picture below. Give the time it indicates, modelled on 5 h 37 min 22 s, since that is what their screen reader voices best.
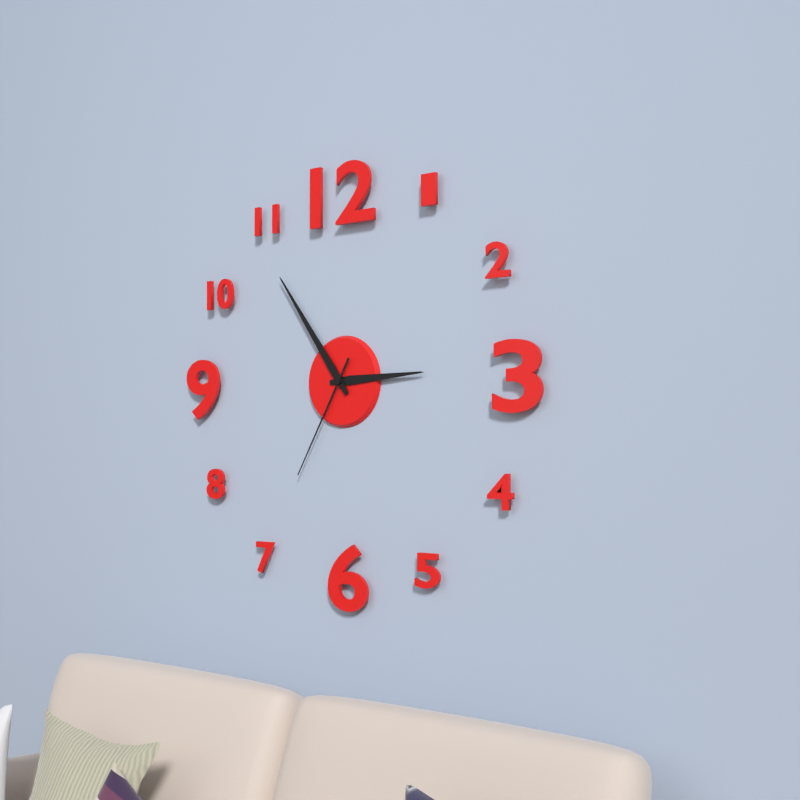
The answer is 2 h 54 min 35 s
